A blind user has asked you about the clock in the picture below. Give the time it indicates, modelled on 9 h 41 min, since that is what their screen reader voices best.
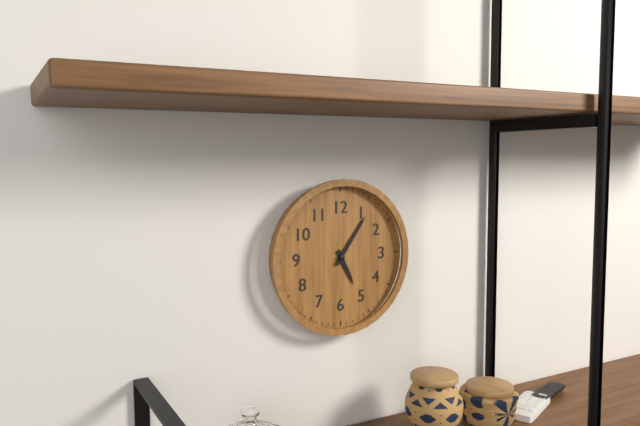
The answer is 5 h 06 min
